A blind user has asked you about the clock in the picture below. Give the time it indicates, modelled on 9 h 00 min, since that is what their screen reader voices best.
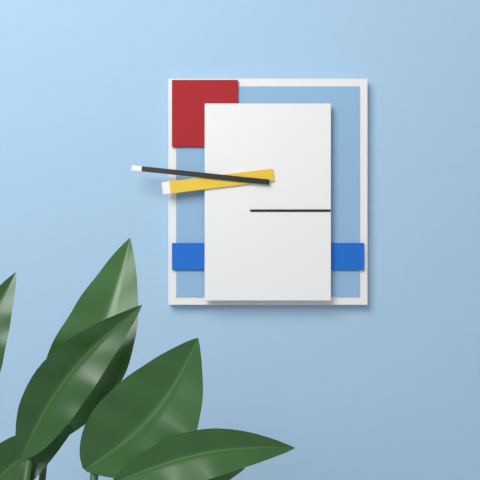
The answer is 8 h 46 min
